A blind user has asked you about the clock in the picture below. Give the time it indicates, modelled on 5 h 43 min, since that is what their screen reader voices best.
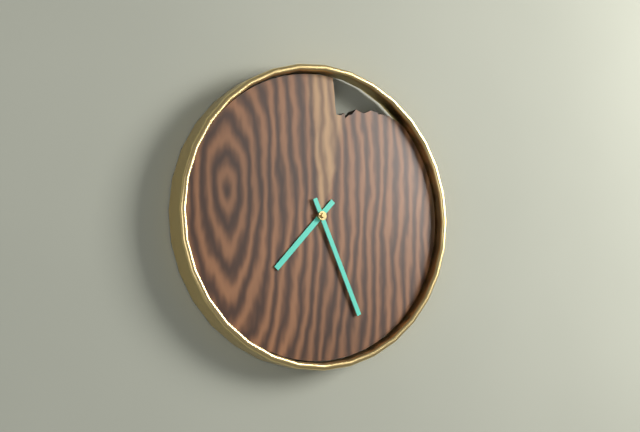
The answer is 7 h 26 min
